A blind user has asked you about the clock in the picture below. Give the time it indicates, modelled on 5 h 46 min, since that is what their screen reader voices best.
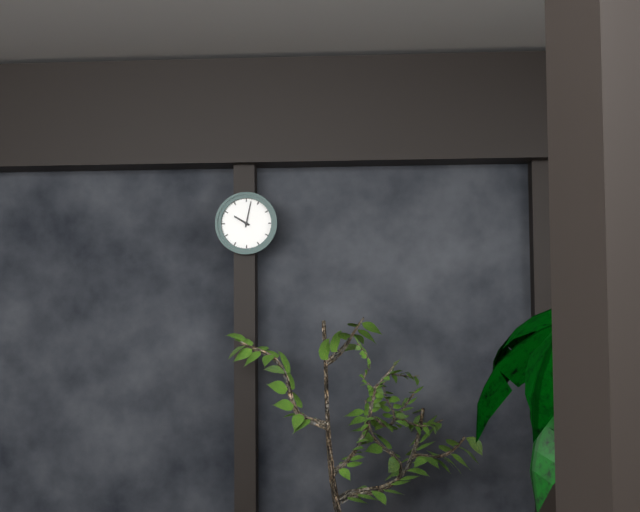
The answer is 10 h 02 min
